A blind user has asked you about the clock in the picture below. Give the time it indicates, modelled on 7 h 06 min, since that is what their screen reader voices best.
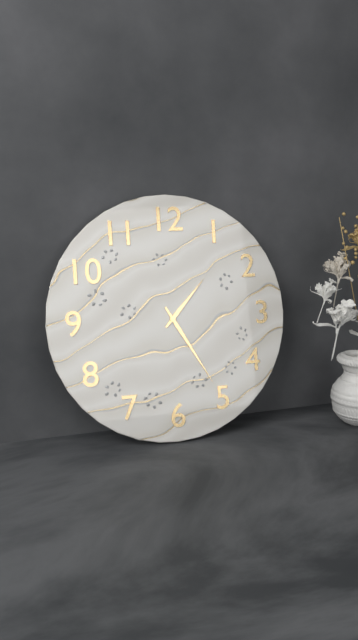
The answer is 1 h 25 min
